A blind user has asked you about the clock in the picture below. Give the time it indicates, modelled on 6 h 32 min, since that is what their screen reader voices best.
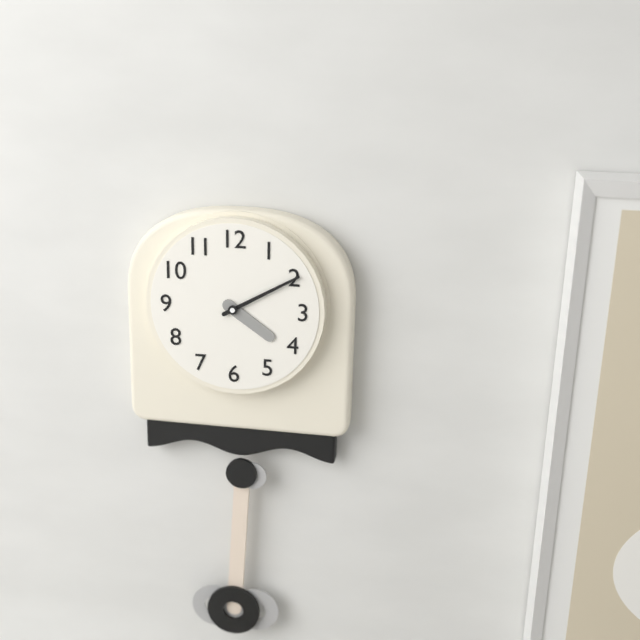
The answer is 4 h 10 min
